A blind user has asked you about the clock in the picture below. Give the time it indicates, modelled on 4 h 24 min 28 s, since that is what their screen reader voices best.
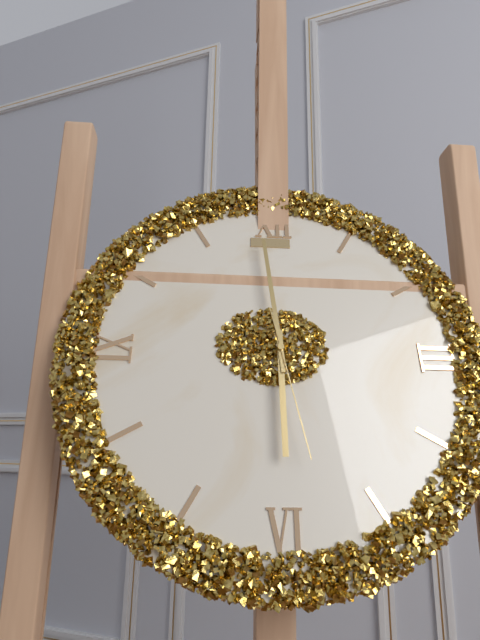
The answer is 5 h 59 min 28 s
